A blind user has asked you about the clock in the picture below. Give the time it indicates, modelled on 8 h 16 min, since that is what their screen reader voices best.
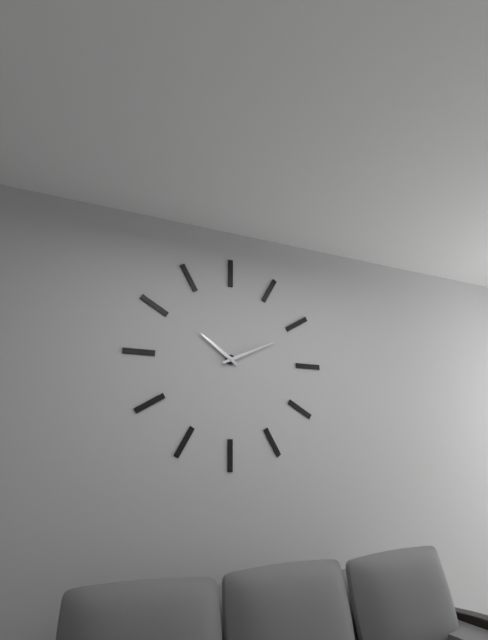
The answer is 10 h 11 min
